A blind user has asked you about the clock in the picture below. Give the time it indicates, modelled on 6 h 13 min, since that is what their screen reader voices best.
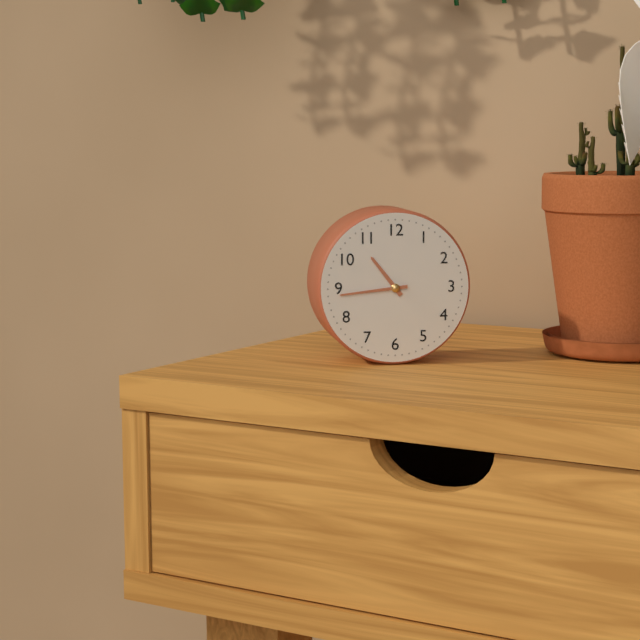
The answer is 10 h 44 min
